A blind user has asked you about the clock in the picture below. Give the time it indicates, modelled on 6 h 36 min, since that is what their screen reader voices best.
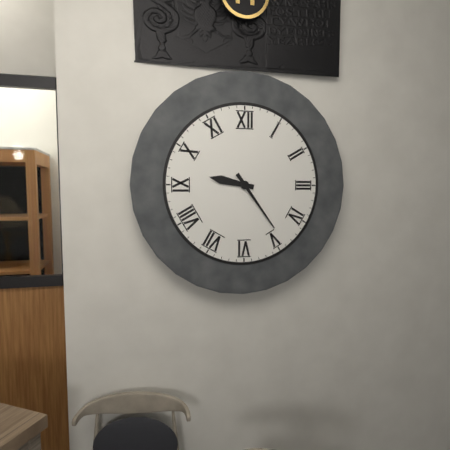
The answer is 9 h 24 min
